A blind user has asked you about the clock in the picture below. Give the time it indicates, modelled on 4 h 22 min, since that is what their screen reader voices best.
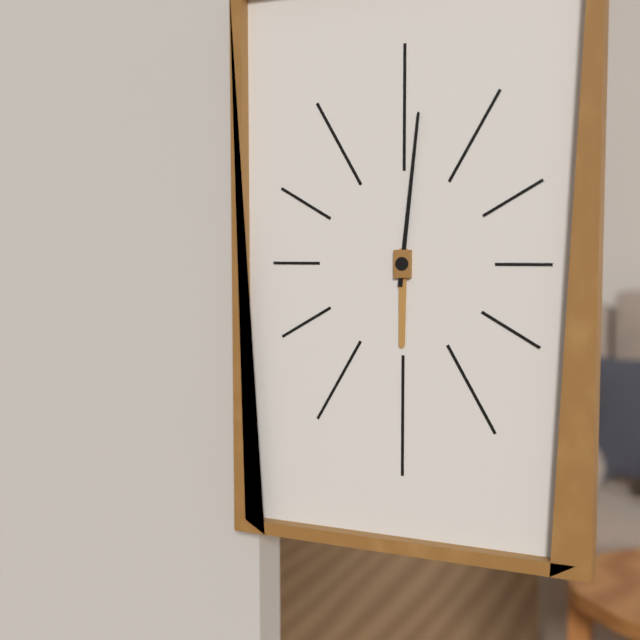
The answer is 6 h 01 min
